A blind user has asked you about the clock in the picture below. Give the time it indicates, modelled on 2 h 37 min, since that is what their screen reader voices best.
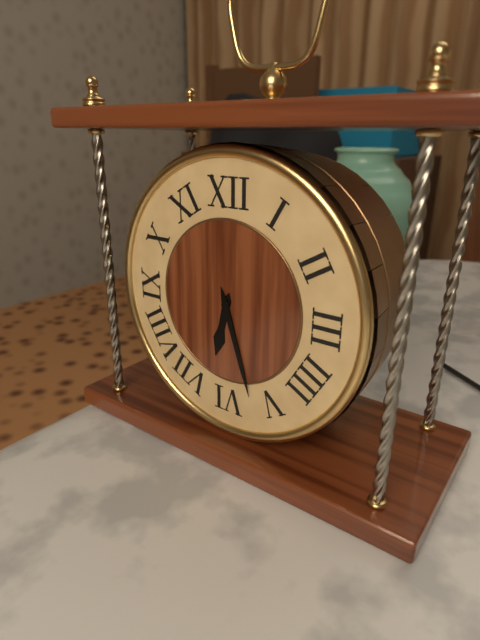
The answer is 6 h 27 min
